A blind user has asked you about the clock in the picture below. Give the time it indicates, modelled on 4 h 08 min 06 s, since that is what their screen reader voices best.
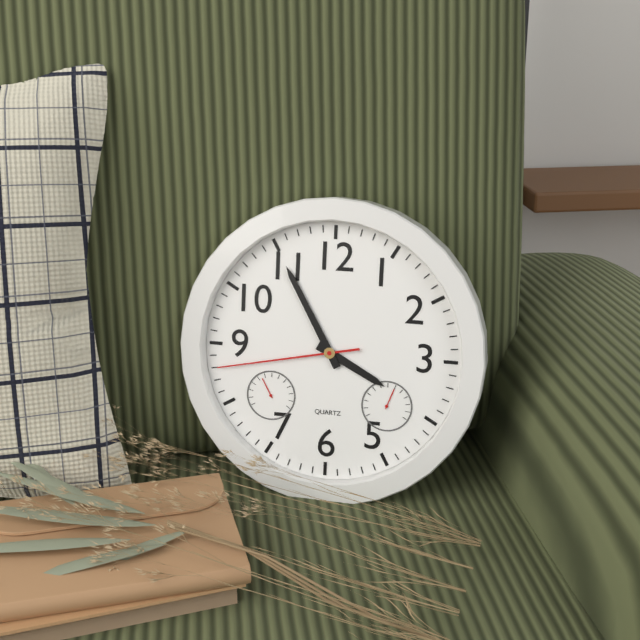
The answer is 3 h 55 min 43 s
